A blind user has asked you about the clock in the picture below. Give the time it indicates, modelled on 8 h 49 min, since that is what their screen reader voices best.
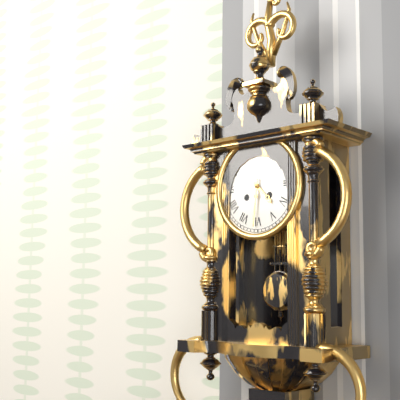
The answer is 4 h 31 min
